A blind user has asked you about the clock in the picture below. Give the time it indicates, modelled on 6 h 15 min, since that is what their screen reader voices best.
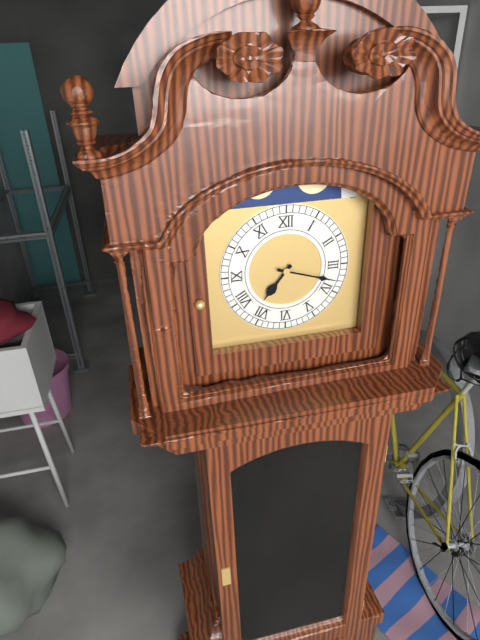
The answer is 7 h 18 min
